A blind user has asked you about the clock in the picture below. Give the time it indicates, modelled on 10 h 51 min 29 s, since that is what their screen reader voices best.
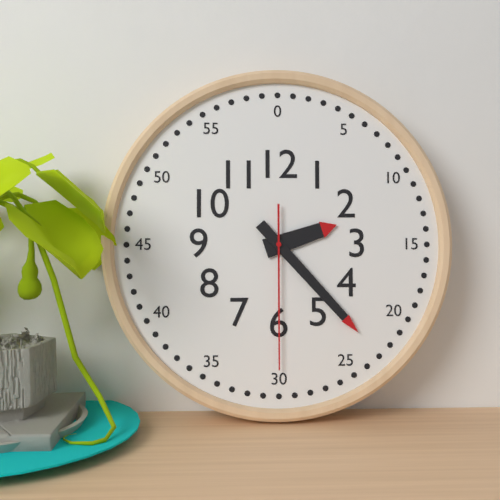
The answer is 2 h 23 min 30 s
